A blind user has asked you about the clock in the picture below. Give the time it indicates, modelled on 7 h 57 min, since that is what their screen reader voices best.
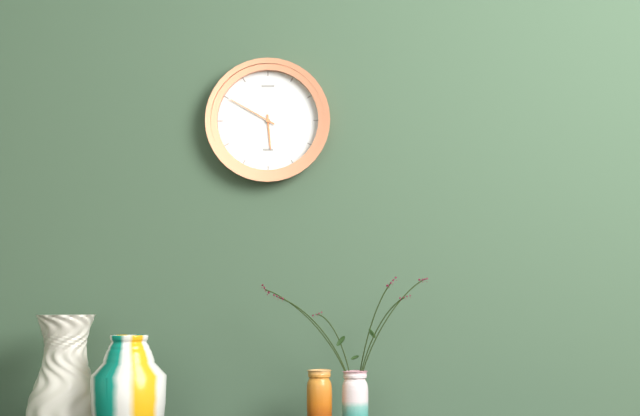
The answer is 5 h 50 min
